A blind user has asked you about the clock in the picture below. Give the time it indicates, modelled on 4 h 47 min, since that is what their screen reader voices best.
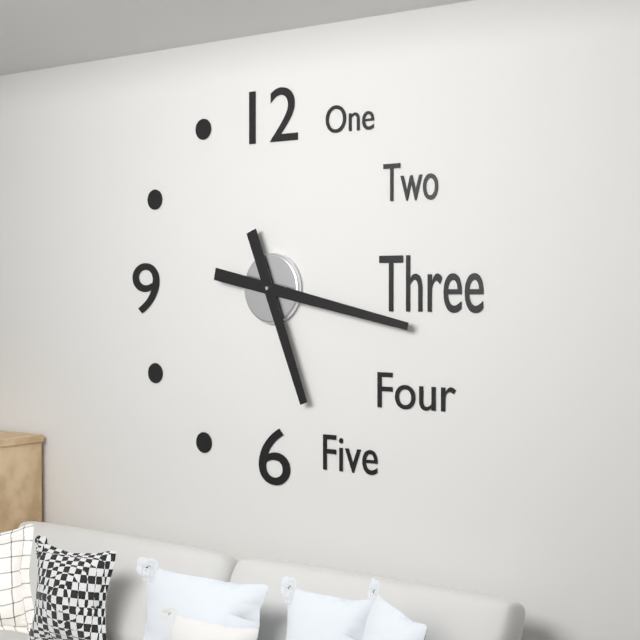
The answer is 5 h 17 min
